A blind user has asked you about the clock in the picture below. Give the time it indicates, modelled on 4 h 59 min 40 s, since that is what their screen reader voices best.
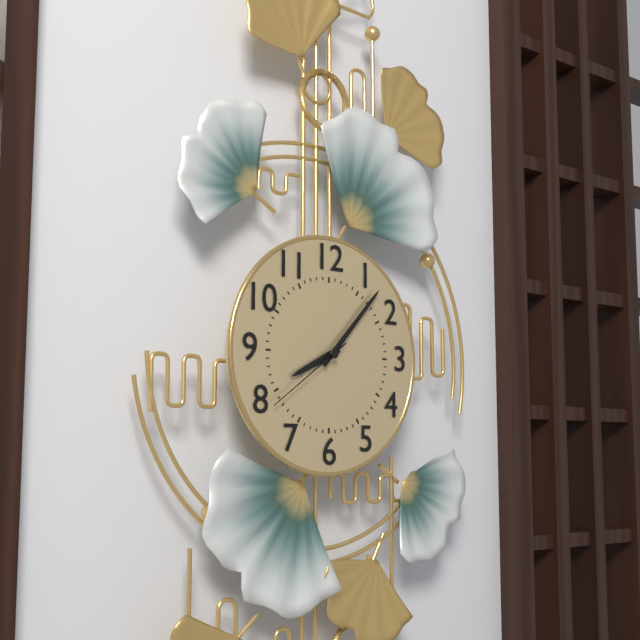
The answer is 8 h 07 min 39 s
